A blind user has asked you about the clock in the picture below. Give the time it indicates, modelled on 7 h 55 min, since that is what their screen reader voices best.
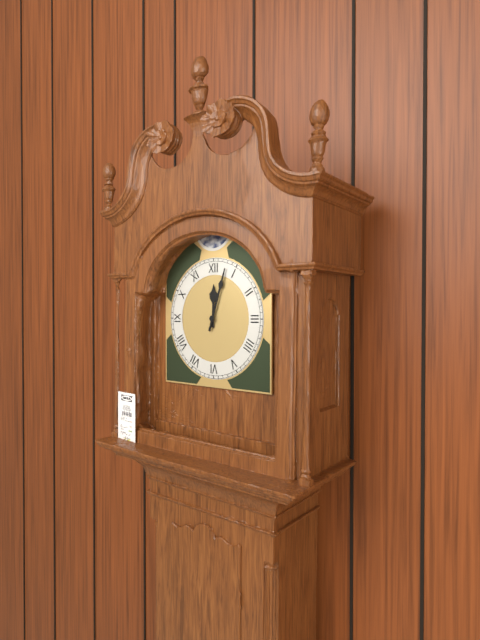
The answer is 12 h 03 min
